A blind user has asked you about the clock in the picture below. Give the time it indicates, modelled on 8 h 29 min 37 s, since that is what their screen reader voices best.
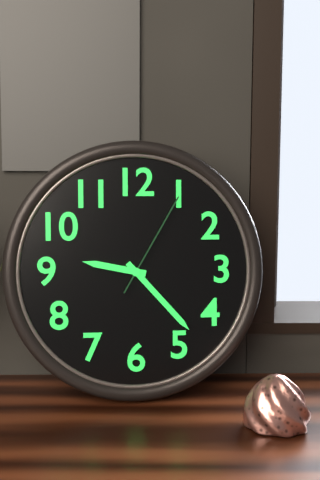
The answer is 9 h 23 min 05 s
